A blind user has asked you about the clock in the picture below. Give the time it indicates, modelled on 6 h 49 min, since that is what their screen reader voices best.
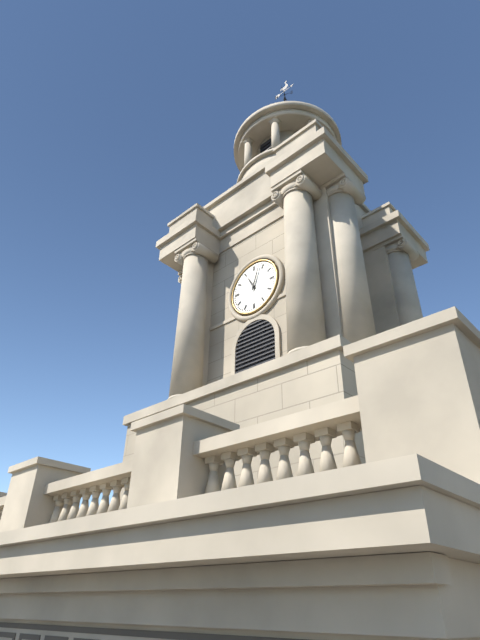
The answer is 11 h 03 min
